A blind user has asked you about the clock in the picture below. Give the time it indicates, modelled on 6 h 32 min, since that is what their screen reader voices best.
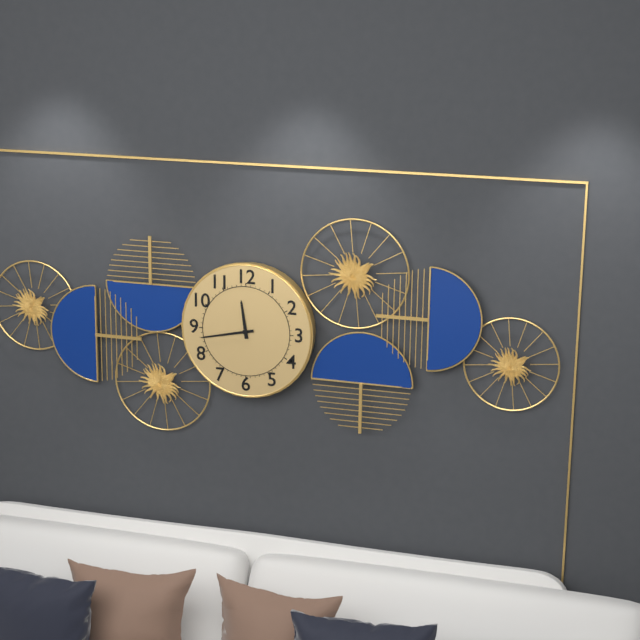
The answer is 11 h 43 min
